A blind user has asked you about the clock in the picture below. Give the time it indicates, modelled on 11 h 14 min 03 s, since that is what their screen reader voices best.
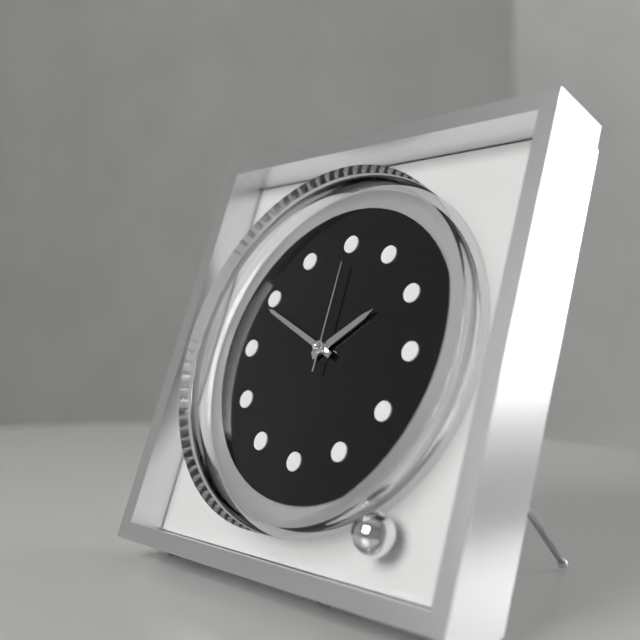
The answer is 1 h 49 min 00 s
